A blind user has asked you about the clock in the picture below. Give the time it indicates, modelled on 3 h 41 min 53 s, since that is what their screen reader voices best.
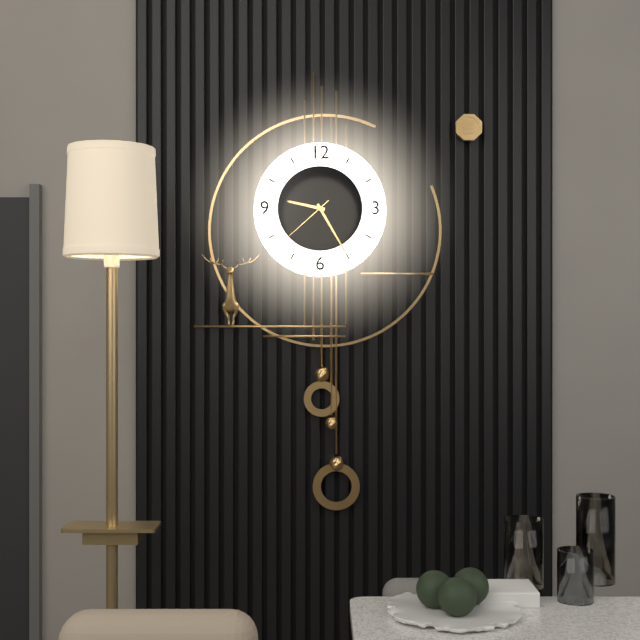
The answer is 9 h 25 min 38 s
